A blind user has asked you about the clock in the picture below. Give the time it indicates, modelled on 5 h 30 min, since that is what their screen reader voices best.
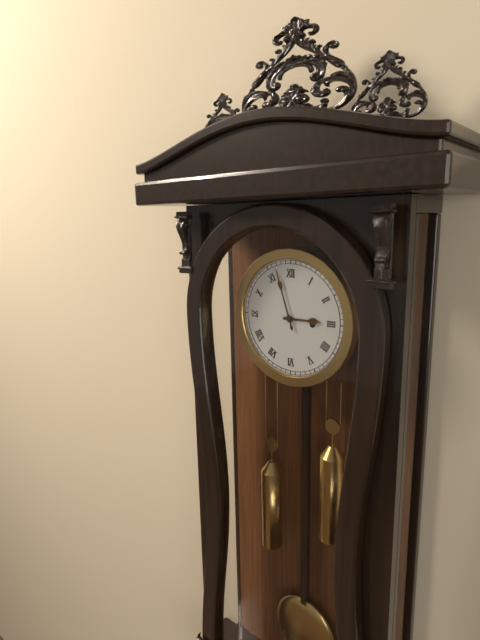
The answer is 2 h 57 min
